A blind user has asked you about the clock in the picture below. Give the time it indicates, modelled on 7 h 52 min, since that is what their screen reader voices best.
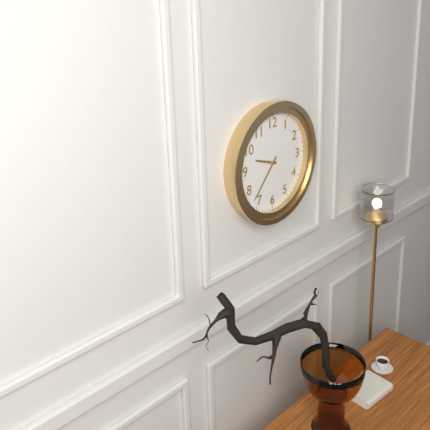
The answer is 9 h 37 min
